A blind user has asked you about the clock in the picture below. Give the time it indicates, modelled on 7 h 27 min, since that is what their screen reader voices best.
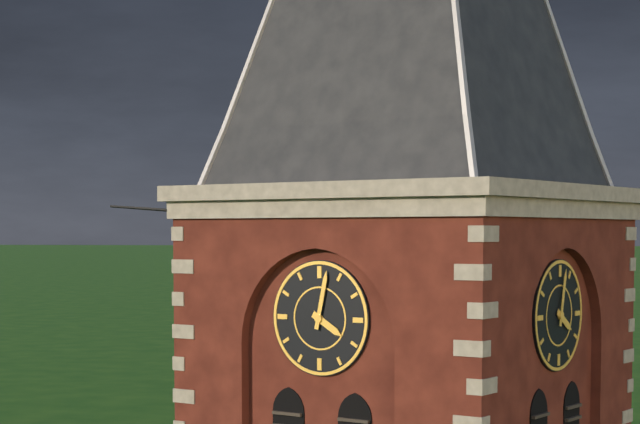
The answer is 4 h 02 min
